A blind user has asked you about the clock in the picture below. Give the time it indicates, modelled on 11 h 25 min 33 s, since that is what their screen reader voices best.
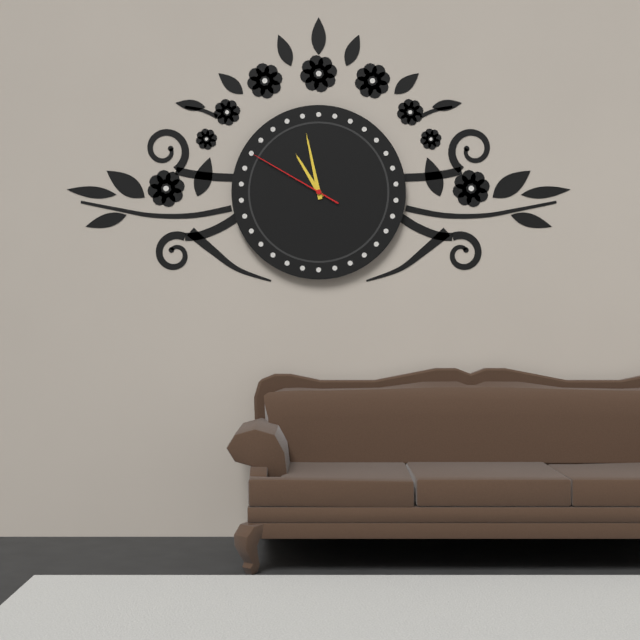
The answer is 10 h 58 min 50 s
